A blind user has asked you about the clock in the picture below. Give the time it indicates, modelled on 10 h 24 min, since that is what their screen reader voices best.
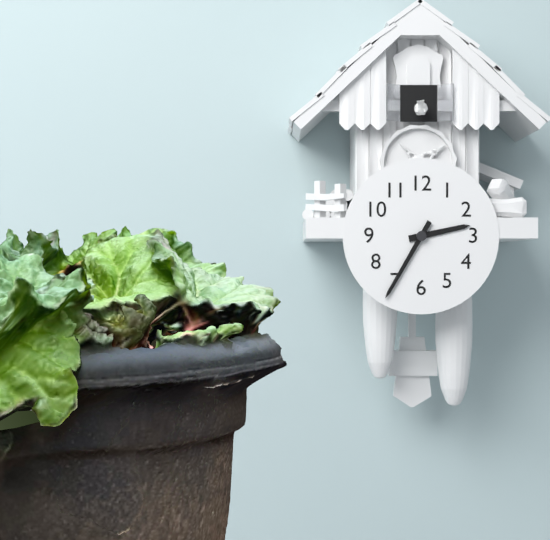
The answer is 2 h 35 min
